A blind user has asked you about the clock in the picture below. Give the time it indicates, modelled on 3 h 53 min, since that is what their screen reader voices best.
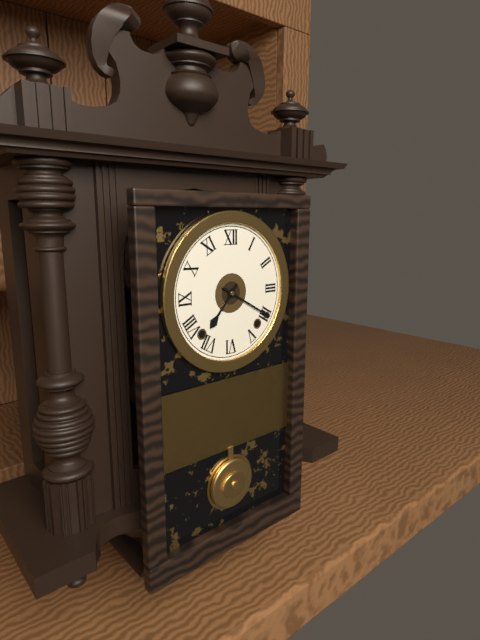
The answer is 7 h 20 min
